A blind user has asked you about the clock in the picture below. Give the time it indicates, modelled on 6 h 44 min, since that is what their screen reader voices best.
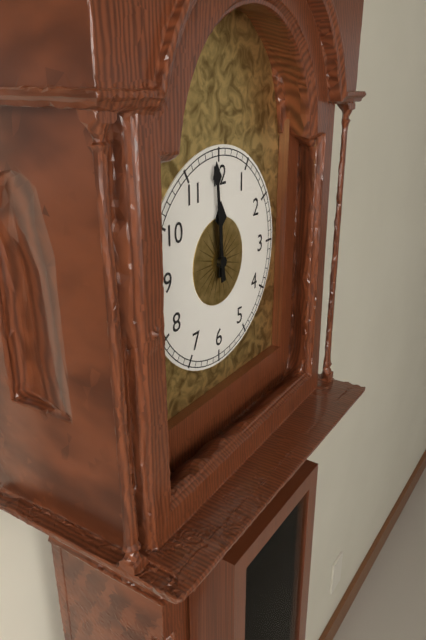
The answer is 11 h 59 min
